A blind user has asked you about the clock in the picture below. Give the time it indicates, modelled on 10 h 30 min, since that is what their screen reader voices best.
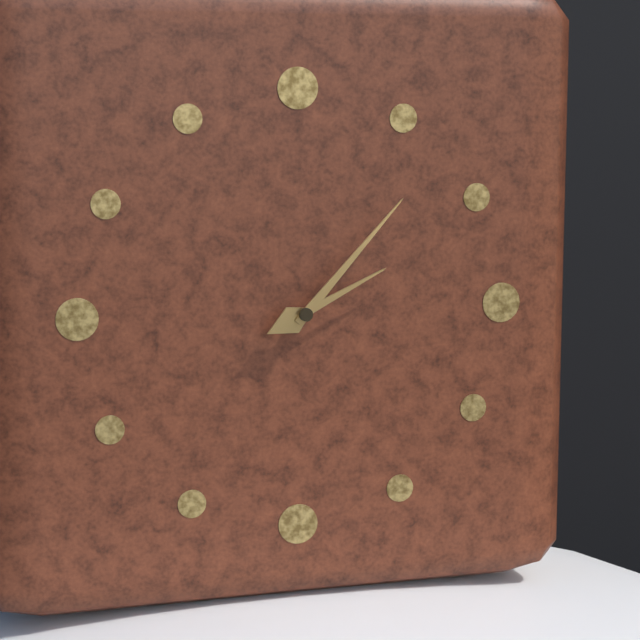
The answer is 2 h 07 min
